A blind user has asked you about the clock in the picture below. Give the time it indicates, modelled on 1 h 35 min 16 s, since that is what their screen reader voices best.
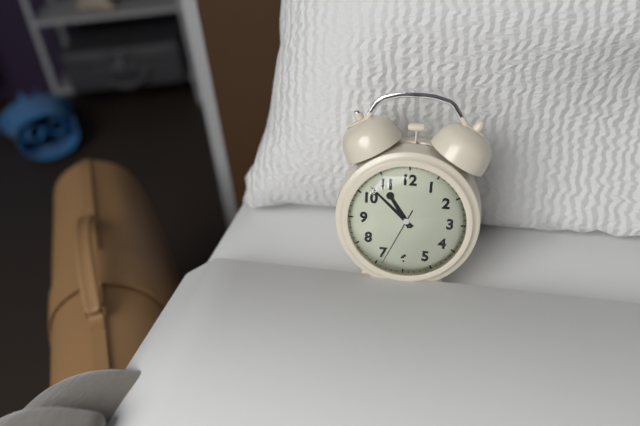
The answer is 10 h 52 min 34 s
